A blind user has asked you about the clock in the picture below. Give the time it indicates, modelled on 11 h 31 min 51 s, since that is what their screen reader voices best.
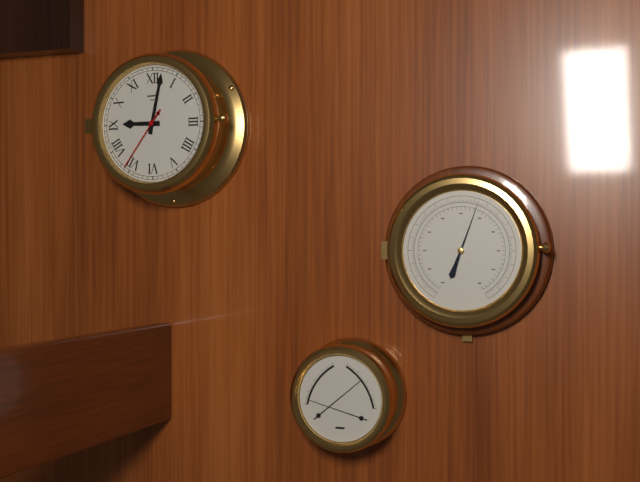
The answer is 9 h 02 min 36 s
